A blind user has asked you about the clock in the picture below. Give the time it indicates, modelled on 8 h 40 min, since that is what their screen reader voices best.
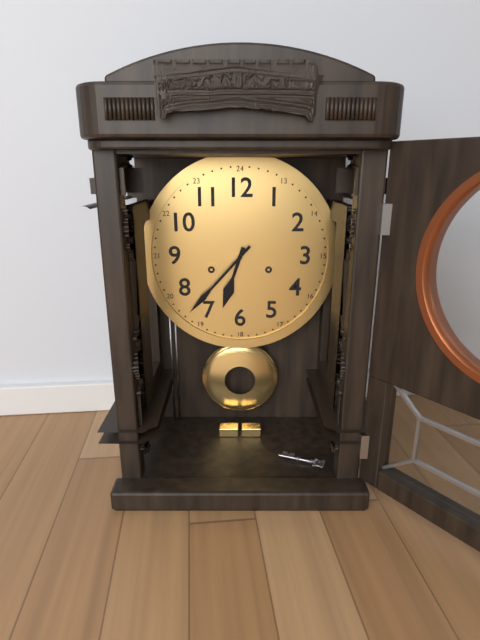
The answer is 6 h 37 min
